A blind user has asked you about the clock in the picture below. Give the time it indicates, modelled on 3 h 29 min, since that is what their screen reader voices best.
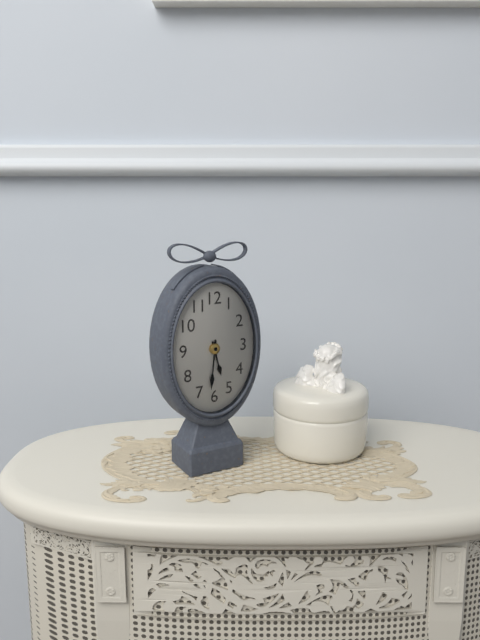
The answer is 5 h 31 min
